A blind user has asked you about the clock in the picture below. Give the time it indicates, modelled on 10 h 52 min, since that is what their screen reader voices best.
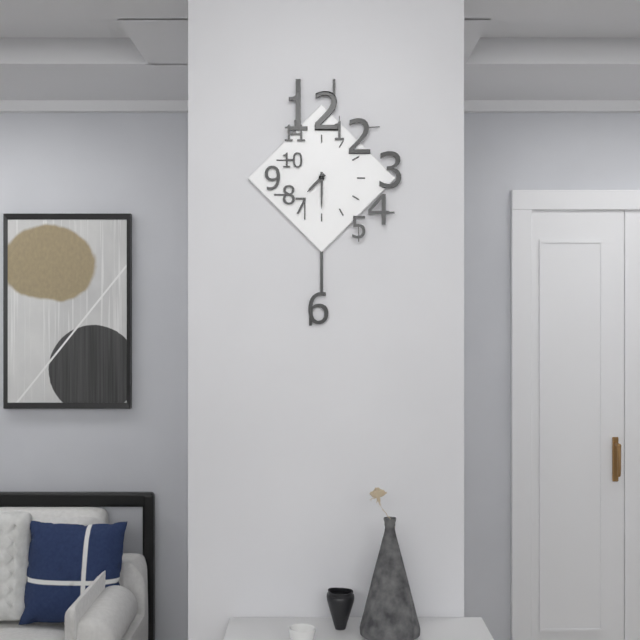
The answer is 7 h 30 min
